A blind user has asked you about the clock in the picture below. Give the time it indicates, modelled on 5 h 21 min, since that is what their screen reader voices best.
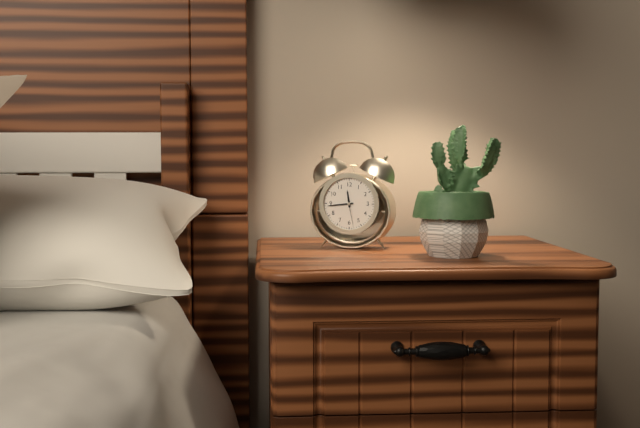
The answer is 11 h 44 min
